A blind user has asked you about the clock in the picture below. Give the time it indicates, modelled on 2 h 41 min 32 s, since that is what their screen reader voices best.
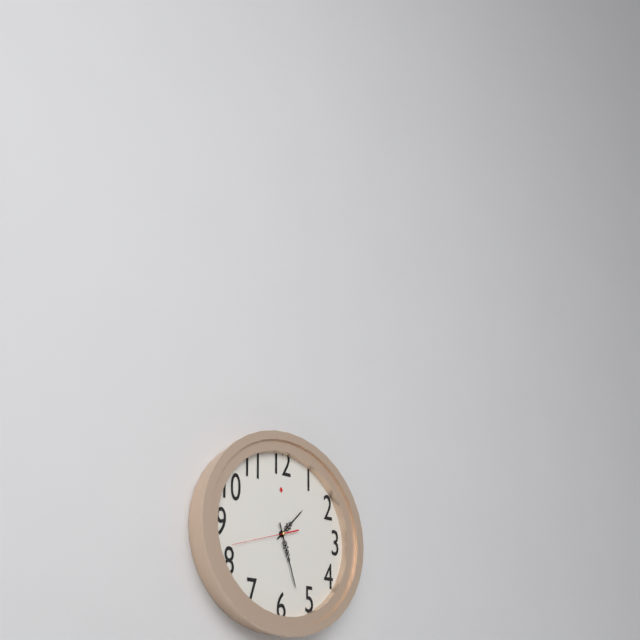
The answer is 1 h 27 min 42 s
